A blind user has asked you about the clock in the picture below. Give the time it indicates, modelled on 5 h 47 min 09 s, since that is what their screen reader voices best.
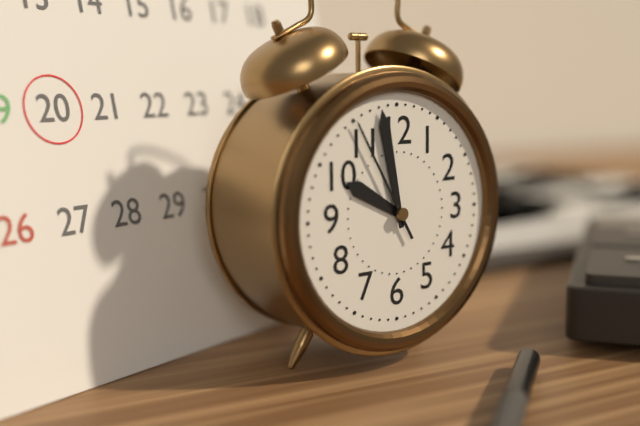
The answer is 9 h 58 min 55 s
